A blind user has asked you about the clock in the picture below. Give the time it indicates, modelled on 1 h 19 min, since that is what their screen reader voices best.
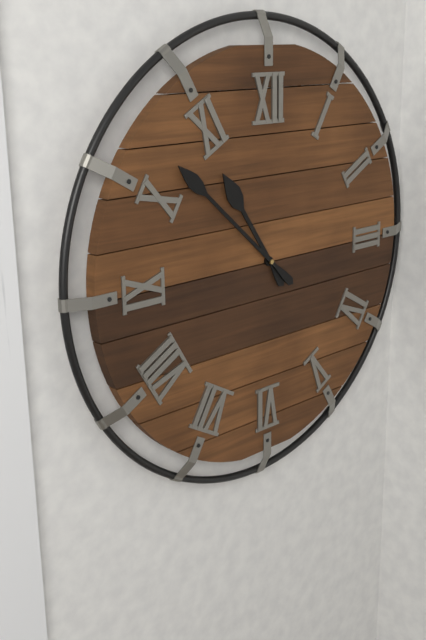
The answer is 10 h 52 min
